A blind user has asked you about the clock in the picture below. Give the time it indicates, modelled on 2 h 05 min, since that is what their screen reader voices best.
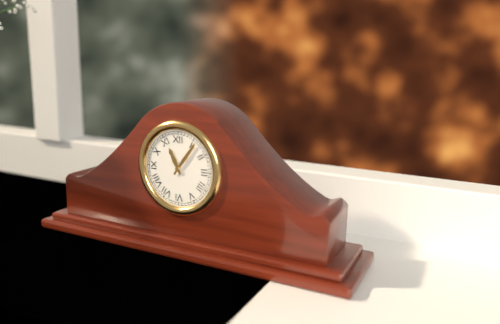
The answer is 11 h 06 min
